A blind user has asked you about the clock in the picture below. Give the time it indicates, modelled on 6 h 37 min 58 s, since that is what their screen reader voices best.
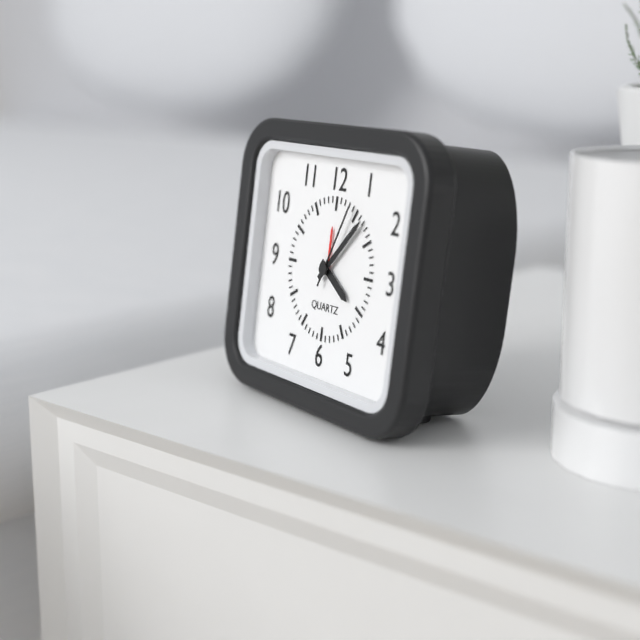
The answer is 4 h 07 min 04 s
